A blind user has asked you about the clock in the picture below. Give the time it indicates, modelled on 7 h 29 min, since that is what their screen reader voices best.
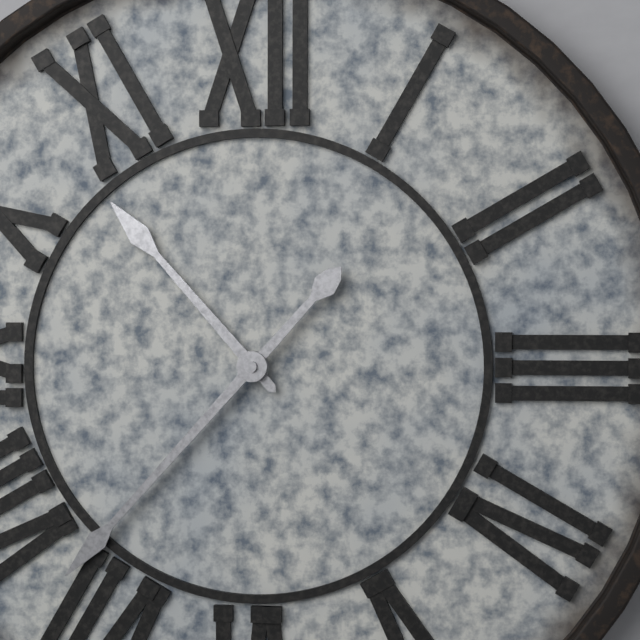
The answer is 10 h 37 min
